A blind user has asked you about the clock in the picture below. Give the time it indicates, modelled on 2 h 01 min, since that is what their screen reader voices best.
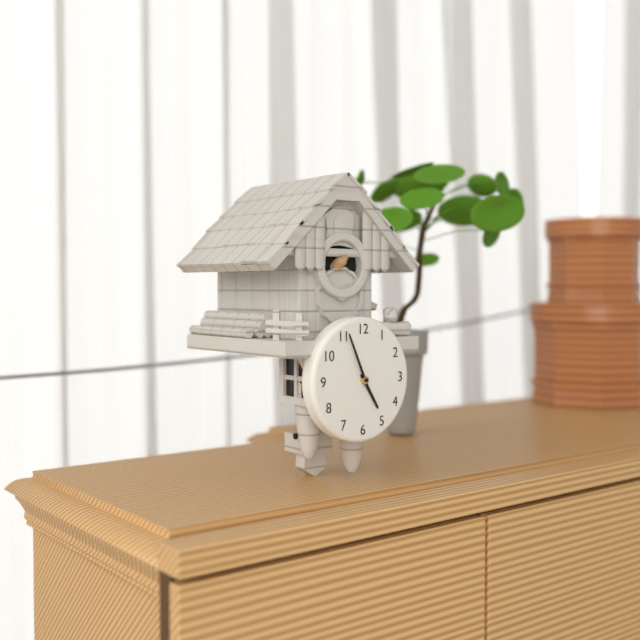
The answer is 4 h 56 min
